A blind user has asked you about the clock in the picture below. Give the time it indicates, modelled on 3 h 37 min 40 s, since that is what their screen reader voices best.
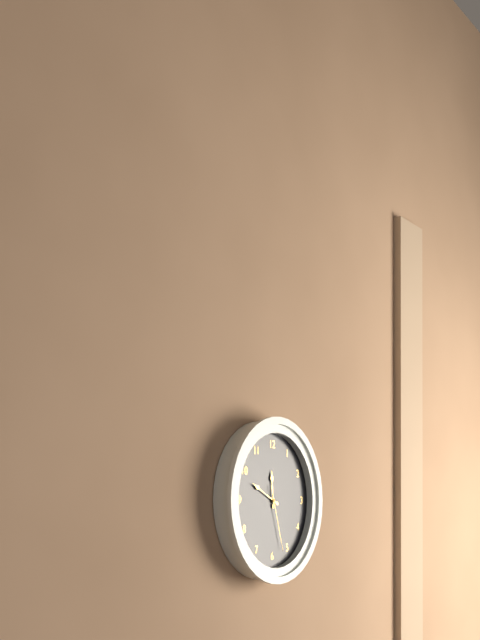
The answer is 11 h 49 min 27 s
